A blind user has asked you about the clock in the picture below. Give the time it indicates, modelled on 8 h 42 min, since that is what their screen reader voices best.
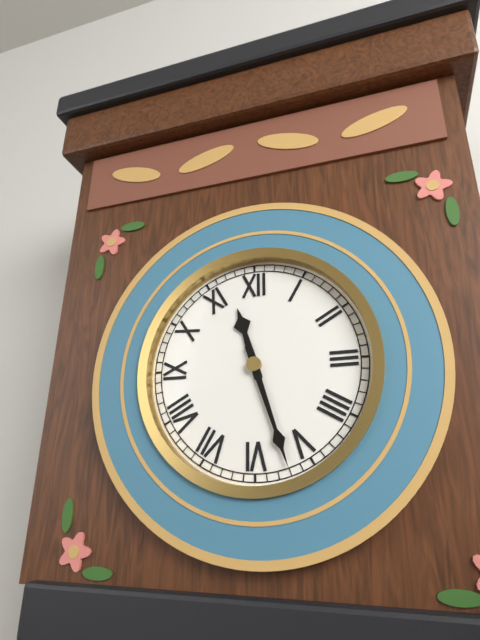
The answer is 11 h 27 min
